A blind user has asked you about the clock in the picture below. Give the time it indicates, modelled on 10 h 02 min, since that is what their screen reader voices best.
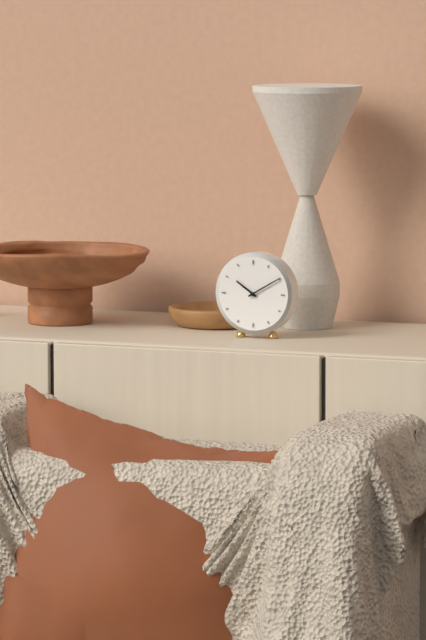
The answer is 10 h 10 min
